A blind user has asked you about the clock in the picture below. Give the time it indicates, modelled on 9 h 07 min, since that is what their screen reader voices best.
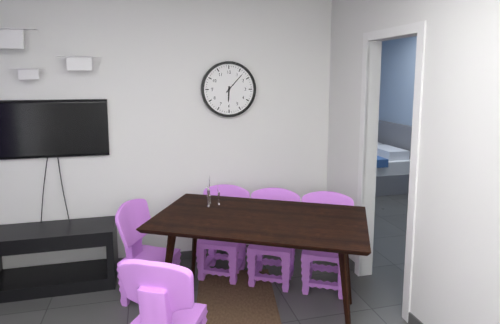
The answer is 6 h 07 min
